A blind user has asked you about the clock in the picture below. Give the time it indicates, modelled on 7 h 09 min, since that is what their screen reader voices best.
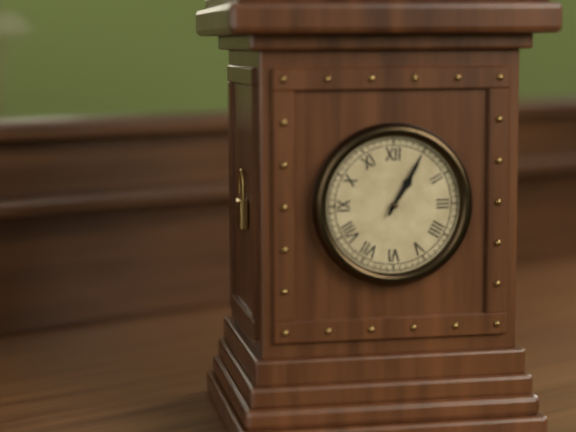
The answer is 1 h 05 min
